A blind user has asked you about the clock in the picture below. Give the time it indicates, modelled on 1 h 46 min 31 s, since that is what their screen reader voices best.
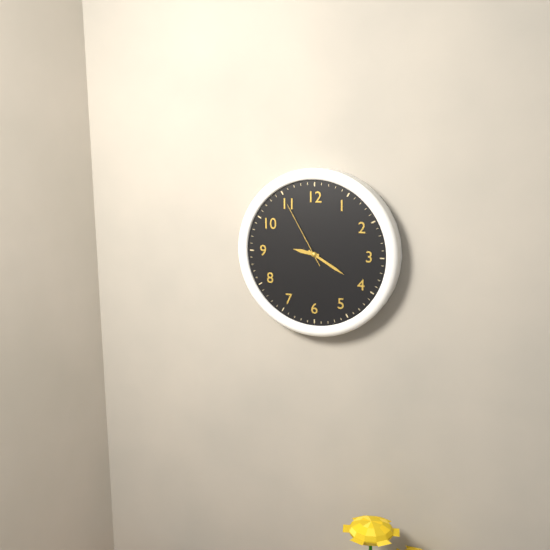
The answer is 9 h 20 min 55 s
